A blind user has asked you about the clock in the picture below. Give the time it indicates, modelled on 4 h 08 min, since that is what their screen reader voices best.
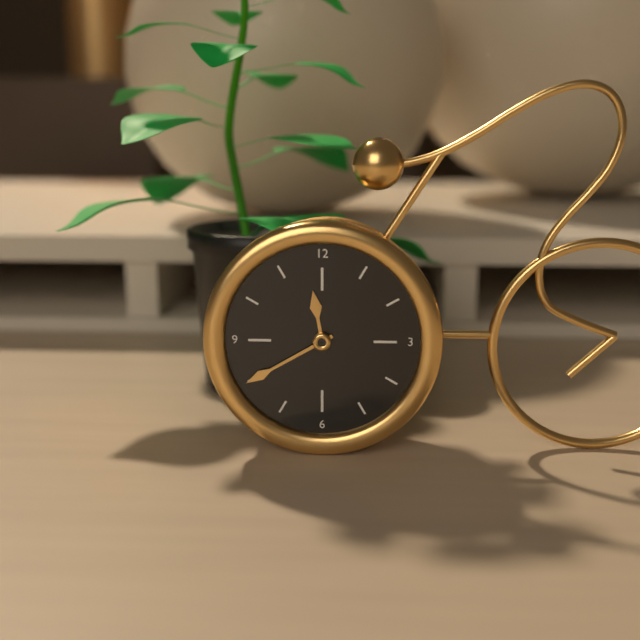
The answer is 11 h 40 min
